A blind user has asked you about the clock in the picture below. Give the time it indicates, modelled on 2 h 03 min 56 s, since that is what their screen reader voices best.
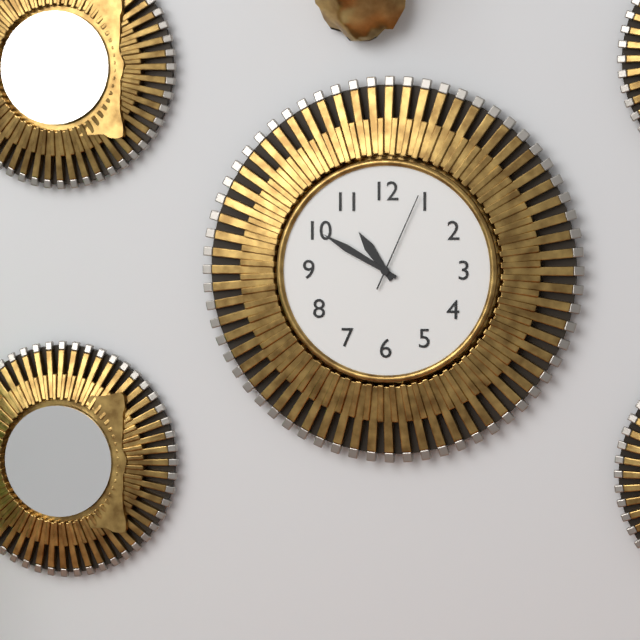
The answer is 10 h 50 min 04 s
